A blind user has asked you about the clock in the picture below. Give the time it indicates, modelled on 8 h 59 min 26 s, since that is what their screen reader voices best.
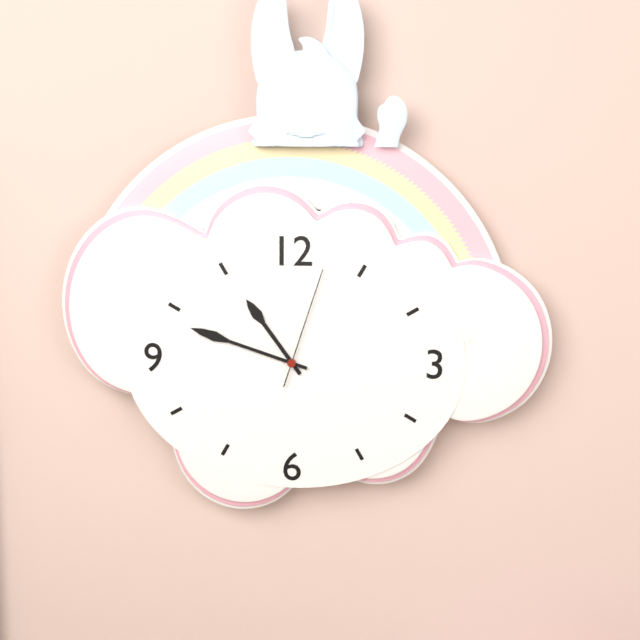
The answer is 10 h 48 min 03 s
